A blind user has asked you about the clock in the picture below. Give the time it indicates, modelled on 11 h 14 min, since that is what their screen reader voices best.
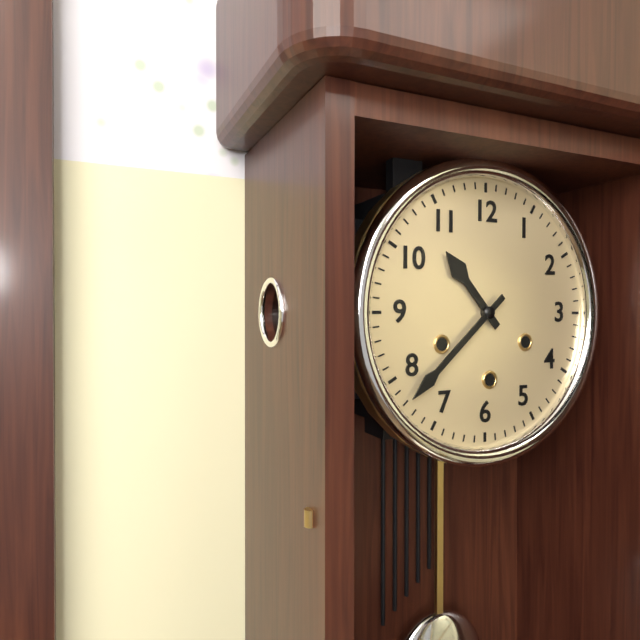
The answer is 10 h 38 min
